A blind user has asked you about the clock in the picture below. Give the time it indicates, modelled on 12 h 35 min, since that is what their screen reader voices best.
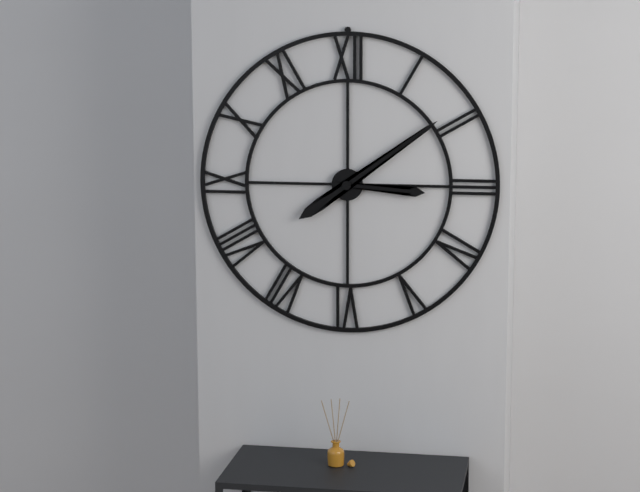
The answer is 3 h 09 min
